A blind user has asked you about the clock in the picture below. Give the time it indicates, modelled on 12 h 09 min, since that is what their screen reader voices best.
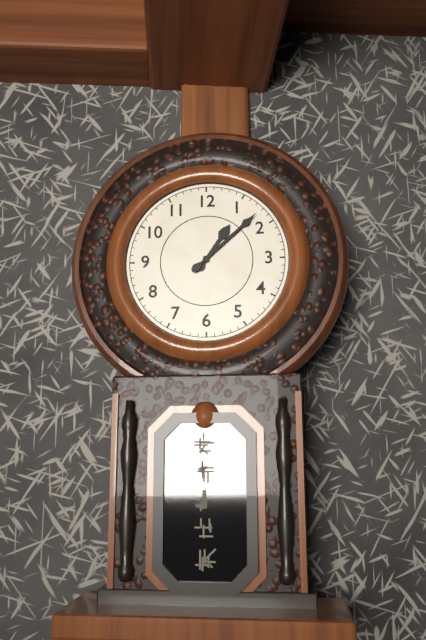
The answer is 1 h 08 min
